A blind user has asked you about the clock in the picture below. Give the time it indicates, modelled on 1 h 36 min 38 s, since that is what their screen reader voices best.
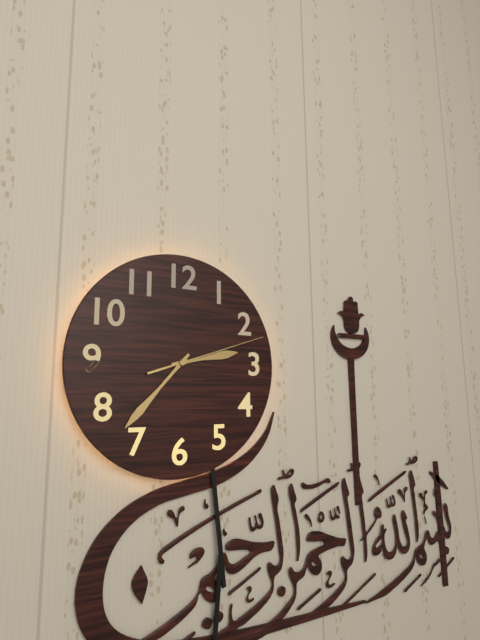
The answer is 2 h 37 min 12 s
